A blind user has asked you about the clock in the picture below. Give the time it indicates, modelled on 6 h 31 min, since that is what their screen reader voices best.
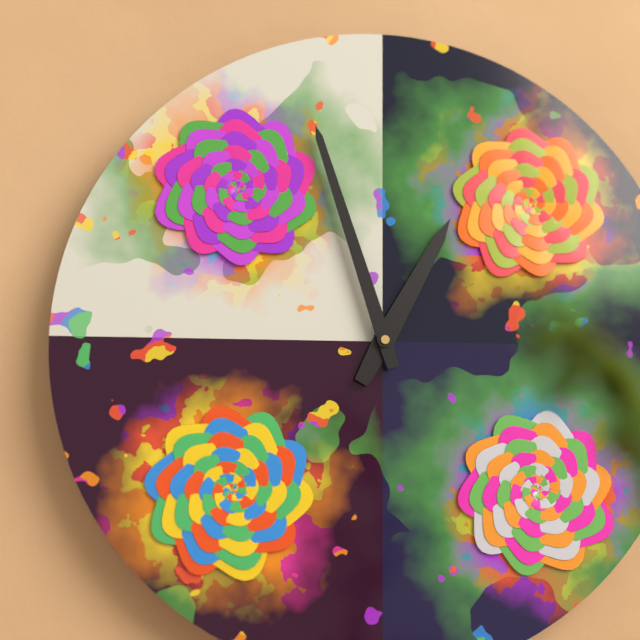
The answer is 12 h 57 min
